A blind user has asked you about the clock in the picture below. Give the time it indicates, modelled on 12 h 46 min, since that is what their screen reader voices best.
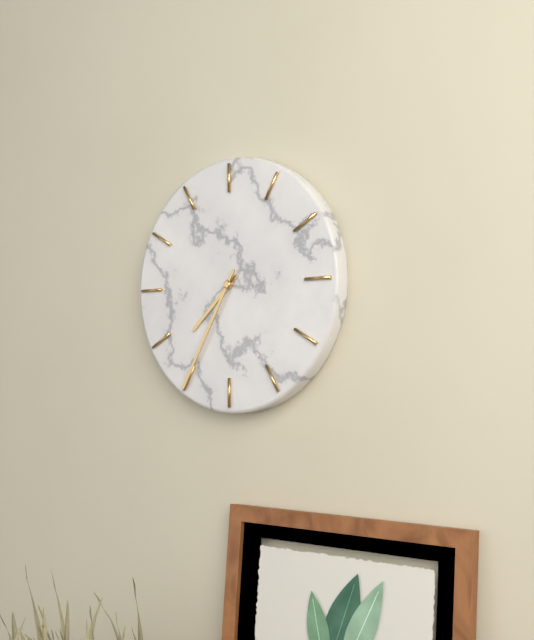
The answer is 7 h 35 min
